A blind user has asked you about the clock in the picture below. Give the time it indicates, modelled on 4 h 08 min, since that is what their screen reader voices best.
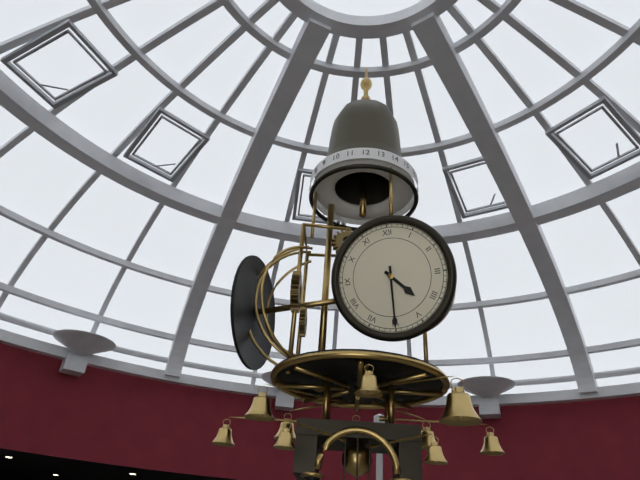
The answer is 4 h 30 min
